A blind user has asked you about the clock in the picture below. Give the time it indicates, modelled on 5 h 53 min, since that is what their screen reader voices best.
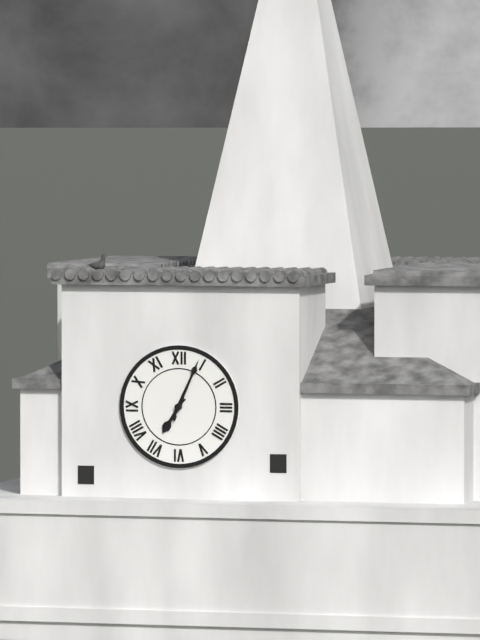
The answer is 7 h 04 min
